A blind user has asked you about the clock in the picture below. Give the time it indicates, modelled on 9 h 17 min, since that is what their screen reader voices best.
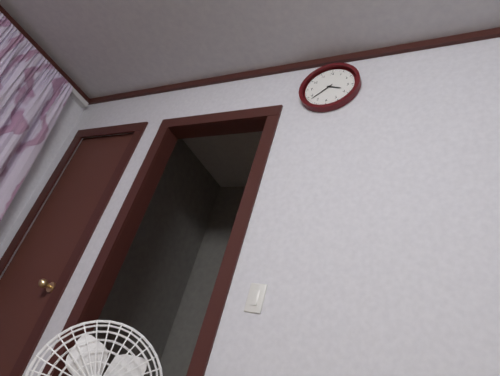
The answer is 3 h 38 min
